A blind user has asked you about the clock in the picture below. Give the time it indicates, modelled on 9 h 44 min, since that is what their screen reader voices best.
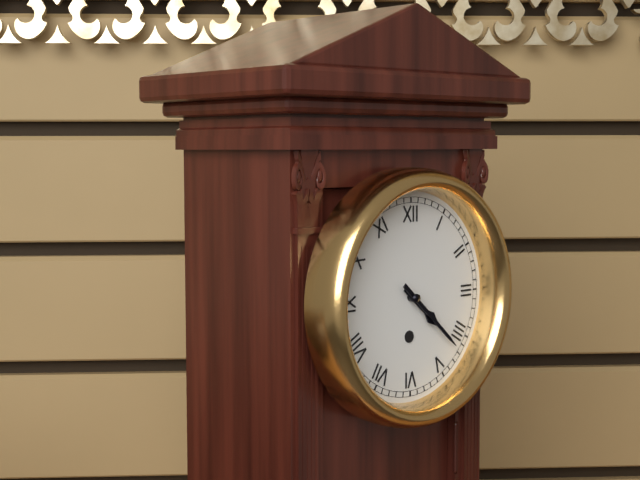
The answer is 4 h 22 min
